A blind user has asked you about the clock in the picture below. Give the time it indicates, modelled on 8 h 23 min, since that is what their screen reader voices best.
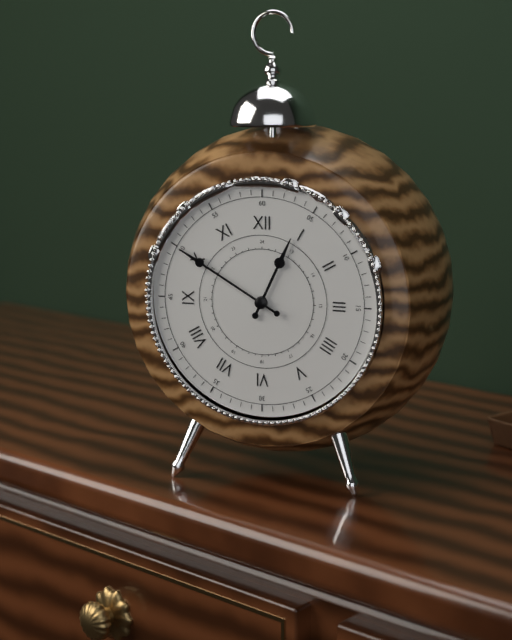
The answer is 12 h 50 min
